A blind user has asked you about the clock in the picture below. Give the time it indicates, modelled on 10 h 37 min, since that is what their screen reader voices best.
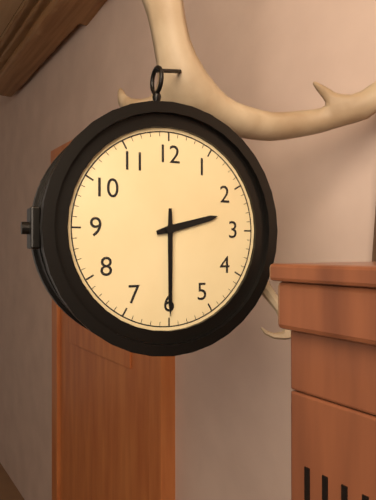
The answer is 2 h 30 min
